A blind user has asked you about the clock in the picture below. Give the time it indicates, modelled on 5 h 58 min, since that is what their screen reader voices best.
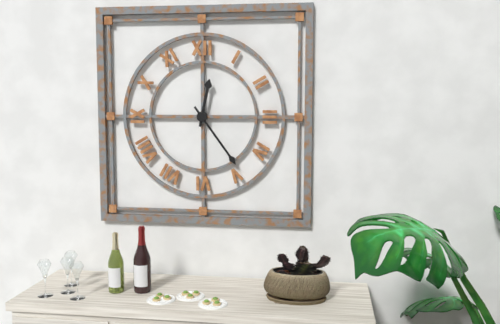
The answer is 12 h 24 min
